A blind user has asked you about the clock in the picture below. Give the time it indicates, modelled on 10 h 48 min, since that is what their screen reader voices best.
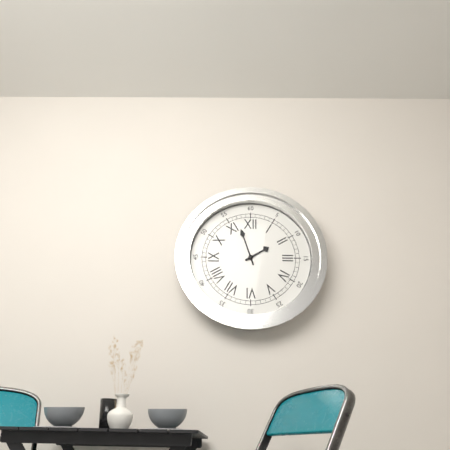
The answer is 1 h 57 min
